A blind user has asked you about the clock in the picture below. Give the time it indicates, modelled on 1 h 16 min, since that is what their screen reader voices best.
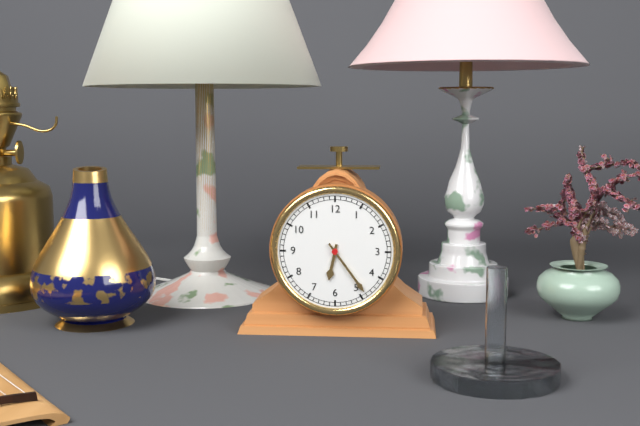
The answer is 6 h 24 min
